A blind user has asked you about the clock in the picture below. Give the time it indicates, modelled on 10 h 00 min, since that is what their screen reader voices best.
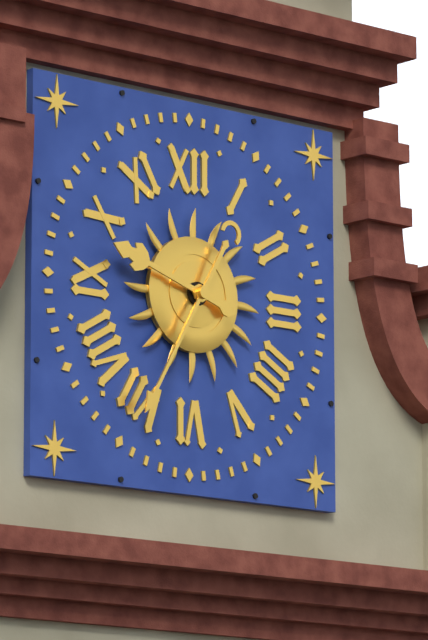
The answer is 9 h 35 min
